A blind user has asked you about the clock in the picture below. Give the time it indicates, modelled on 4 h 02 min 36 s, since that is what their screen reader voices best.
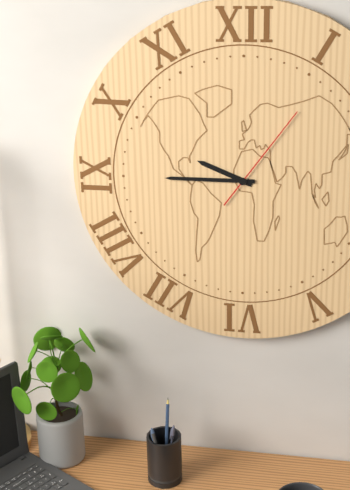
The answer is 9 h 45 min 06 s
